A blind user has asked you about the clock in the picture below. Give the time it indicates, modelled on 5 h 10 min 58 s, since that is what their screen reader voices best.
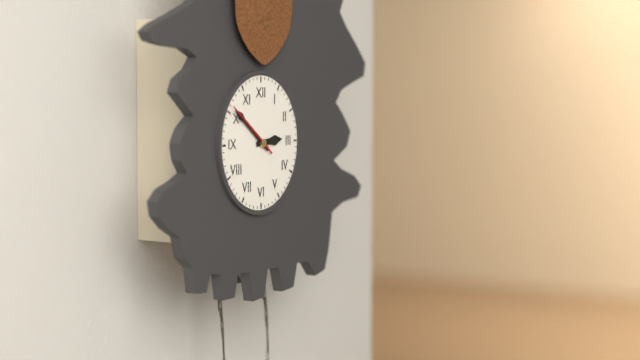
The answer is 2 h 51 min 51 s
